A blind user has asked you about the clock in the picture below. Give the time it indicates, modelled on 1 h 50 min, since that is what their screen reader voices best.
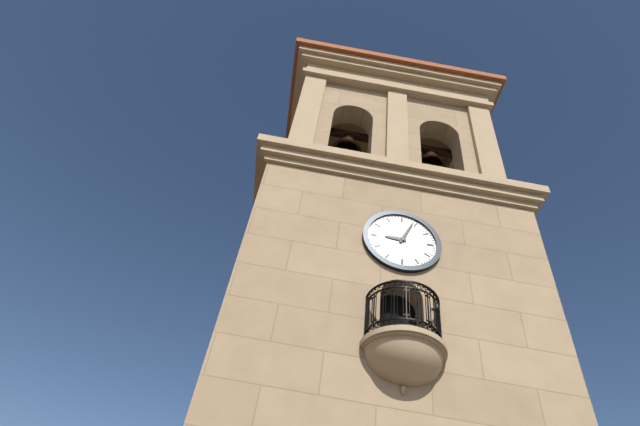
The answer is 9 h 04 min
